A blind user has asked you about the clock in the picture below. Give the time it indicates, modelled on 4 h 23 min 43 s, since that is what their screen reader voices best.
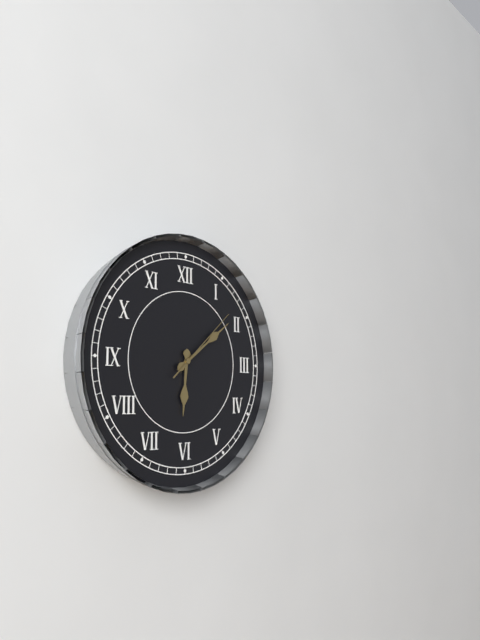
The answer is 6 h 09 min 08 s
